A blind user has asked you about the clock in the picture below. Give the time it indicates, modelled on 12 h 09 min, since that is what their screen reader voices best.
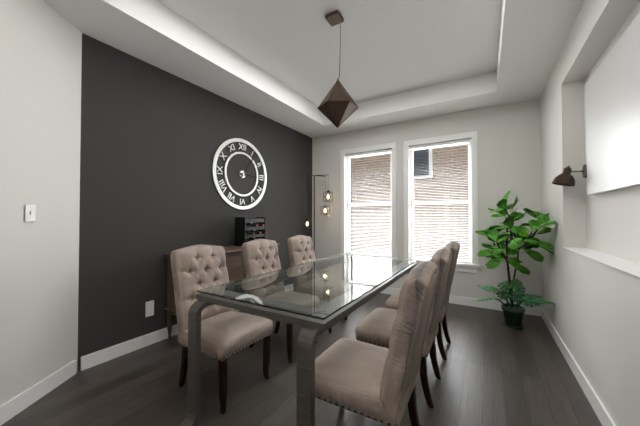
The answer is 3 h 06 min
